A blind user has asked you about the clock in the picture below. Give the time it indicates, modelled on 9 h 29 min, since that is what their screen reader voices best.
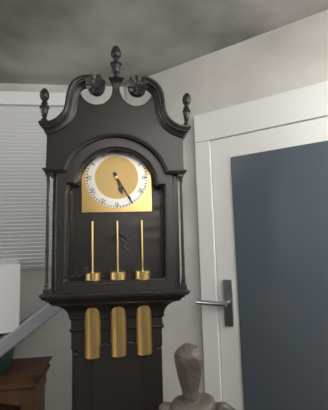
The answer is 5 h 25 min
